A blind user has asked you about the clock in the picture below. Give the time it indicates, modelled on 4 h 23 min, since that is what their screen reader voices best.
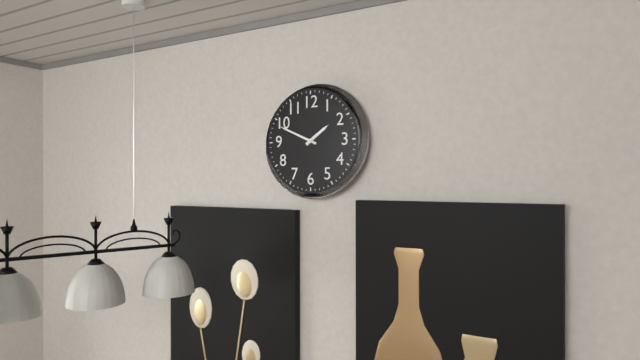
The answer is 1 h 49 min
